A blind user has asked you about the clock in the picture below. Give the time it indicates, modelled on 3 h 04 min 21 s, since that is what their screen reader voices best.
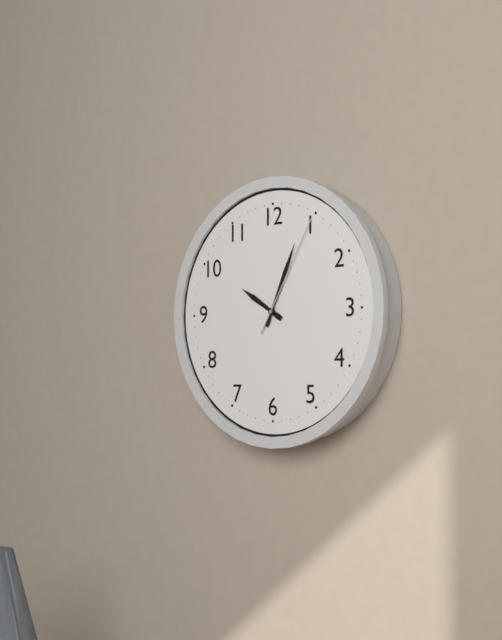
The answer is 10 h 04 min 05 s
